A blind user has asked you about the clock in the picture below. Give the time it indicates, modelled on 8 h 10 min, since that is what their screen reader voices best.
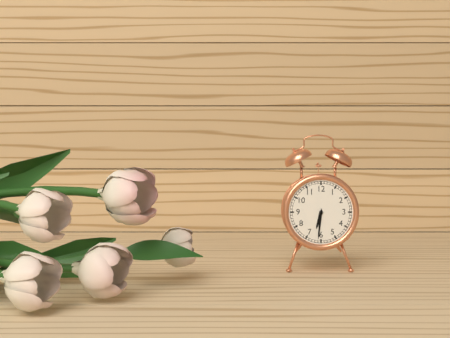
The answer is 6 h 31 min
